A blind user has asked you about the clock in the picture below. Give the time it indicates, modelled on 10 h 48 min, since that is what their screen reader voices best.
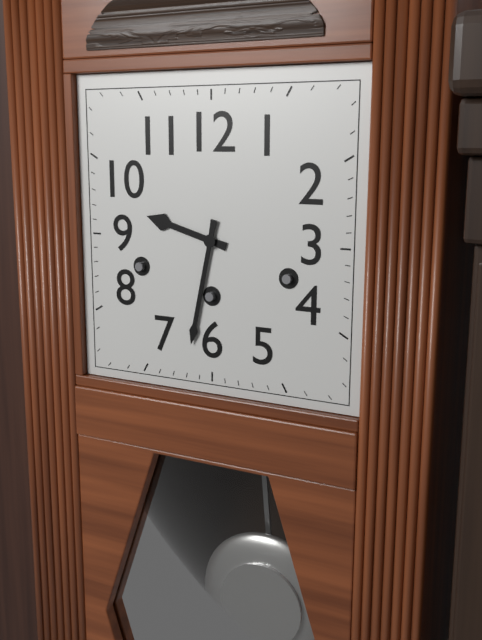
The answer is 9 h 32 min
